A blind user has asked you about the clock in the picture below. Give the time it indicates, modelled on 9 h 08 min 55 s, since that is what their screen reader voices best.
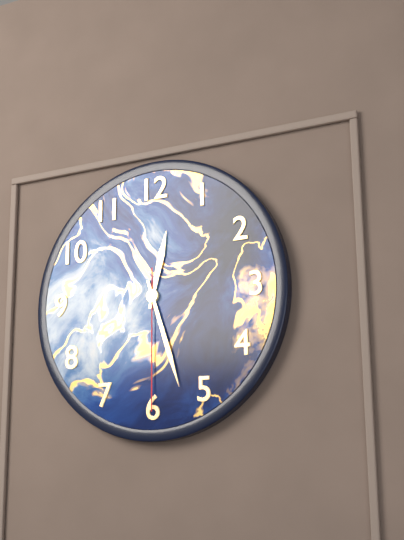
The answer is 12 h 27 min 30 s
